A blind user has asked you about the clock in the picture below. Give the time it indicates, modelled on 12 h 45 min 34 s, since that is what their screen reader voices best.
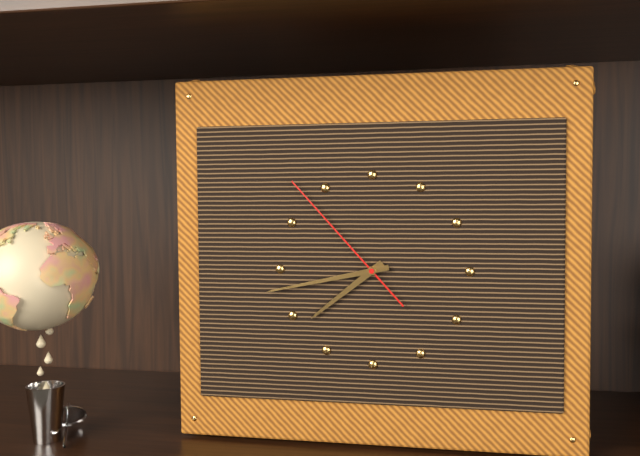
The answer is 7 h 43 min 53 s
